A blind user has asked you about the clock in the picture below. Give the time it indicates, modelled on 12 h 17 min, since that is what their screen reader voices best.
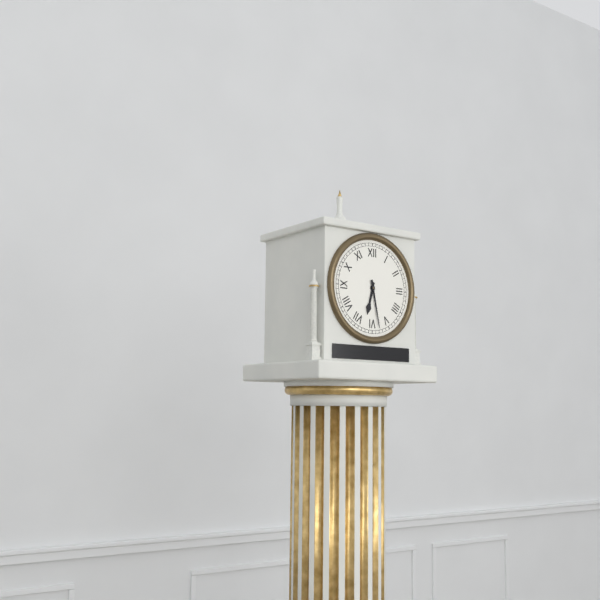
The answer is 6 h 28 min
